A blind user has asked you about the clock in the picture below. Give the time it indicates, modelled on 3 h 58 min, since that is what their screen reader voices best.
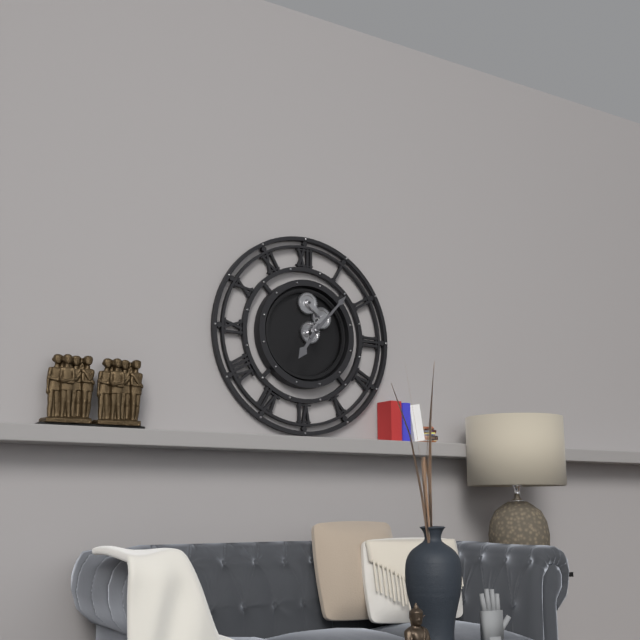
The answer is 7 h 07 min
